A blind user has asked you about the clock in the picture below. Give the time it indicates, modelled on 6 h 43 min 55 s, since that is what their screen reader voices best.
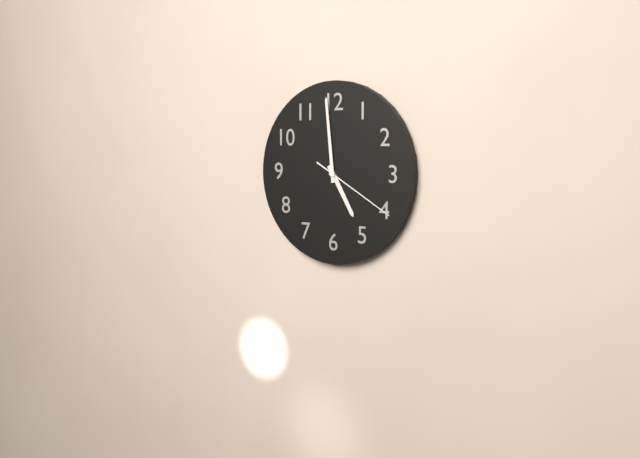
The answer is 4 h 59 min 20 s
